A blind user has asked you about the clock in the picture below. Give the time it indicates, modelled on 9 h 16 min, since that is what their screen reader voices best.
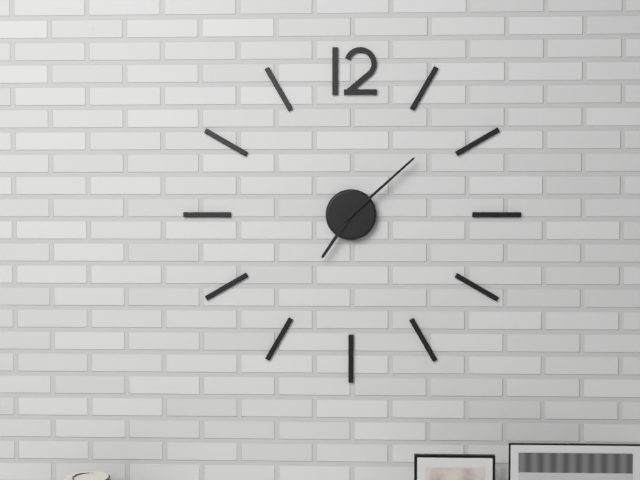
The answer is 7 h 08 min
